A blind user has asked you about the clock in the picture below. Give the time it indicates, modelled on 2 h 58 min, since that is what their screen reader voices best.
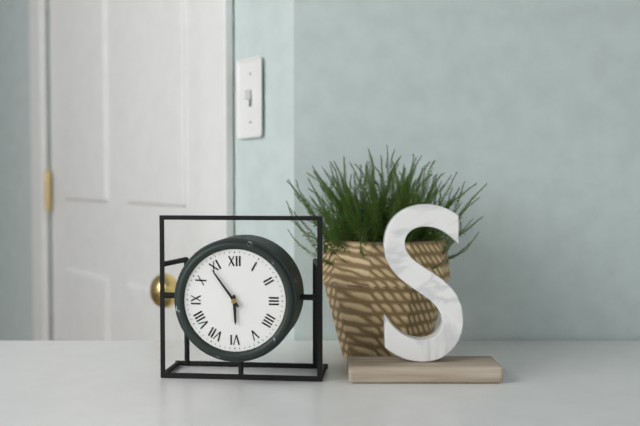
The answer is 5 h 54 min
